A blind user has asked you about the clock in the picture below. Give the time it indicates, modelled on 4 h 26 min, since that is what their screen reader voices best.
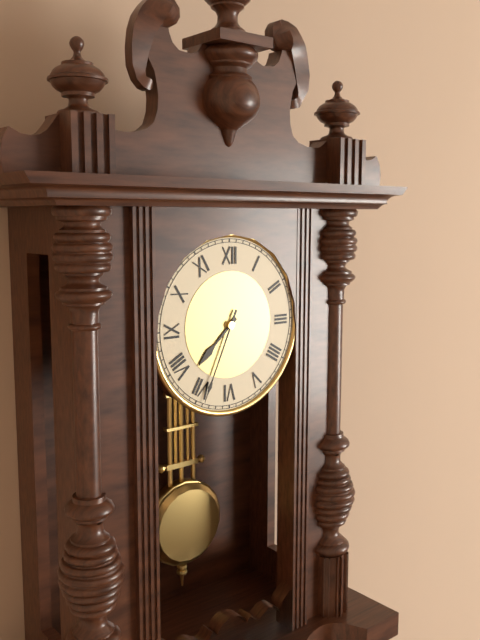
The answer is 7 h 34 min
